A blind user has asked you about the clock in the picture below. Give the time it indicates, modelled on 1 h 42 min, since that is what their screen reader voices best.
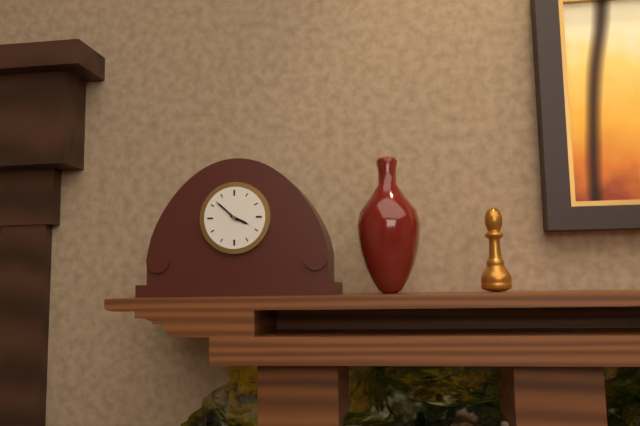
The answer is 3 h 52 min
